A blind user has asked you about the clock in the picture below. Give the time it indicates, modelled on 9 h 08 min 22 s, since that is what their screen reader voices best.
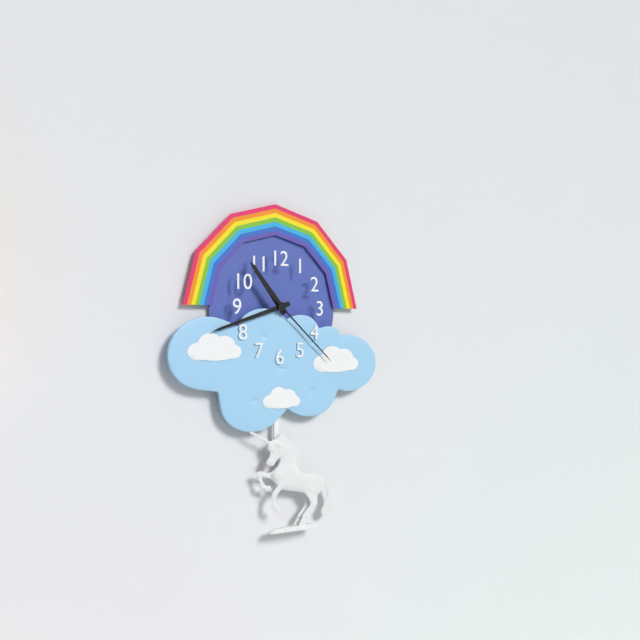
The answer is 10 h 42 min 22 s
